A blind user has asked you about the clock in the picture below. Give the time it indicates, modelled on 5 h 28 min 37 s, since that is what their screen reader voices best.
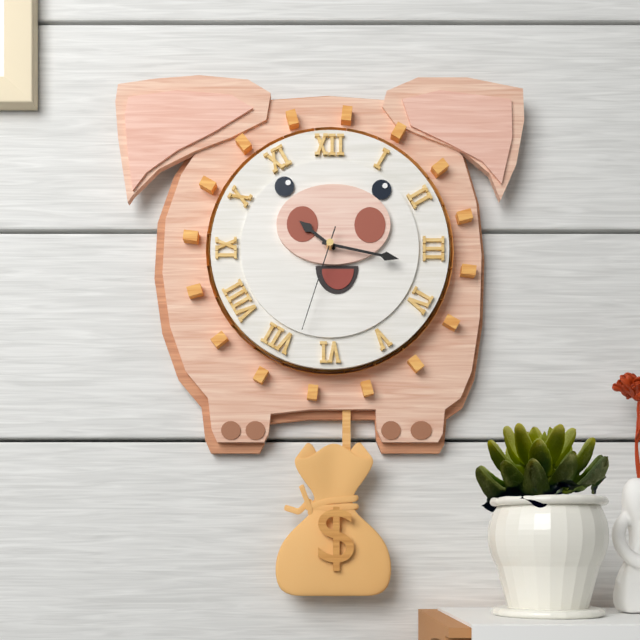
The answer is 10 h 17 min 33 s
